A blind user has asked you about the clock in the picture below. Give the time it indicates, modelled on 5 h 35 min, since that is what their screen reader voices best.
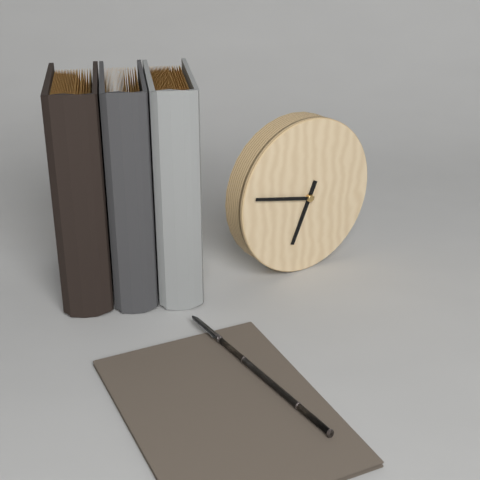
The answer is 6 h 47 min
